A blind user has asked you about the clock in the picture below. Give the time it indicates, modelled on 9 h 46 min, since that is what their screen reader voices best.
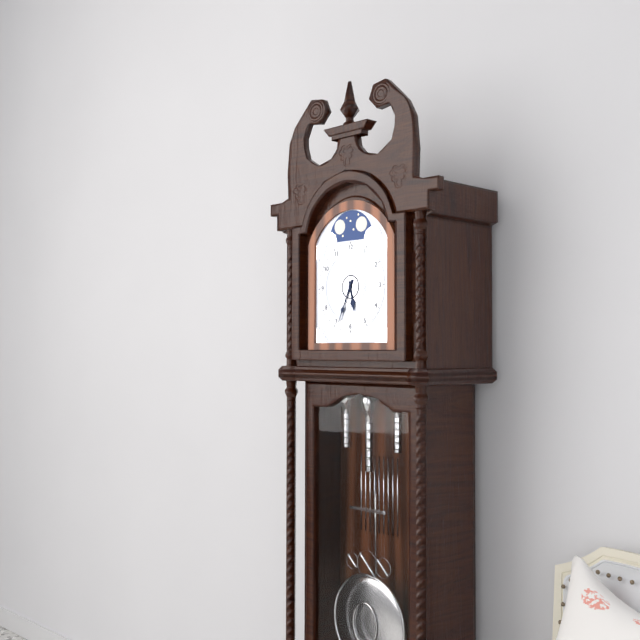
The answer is 5 h 34 min
